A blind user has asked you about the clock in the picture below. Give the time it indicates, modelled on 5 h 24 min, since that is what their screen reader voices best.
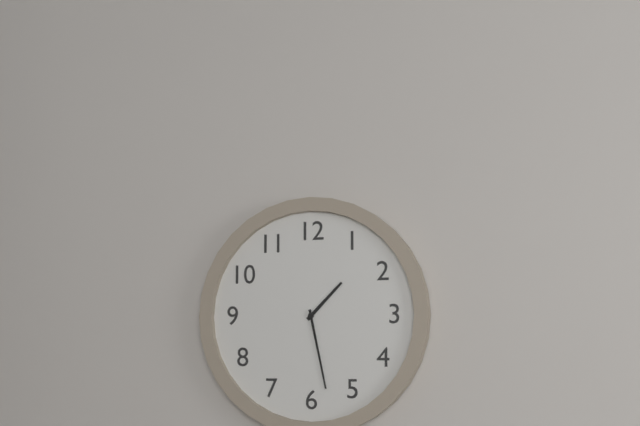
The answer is 1 h 28 min
